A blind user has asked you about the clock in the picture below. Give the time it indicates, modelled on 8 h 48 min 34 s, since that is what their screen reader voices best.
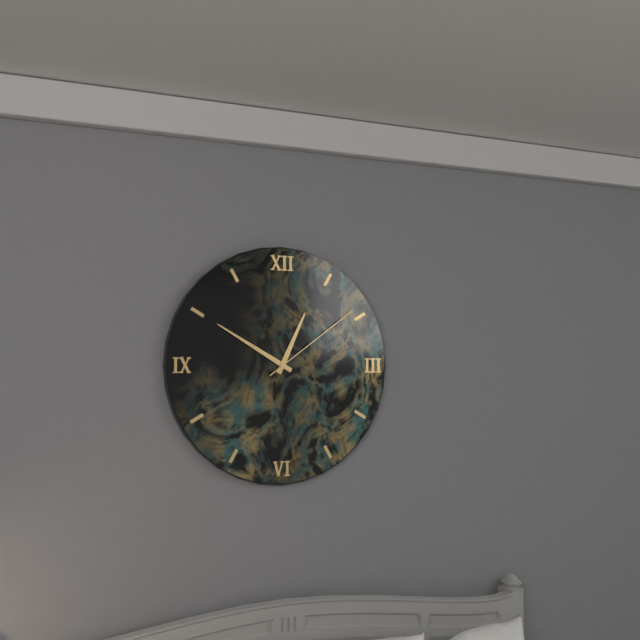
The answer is 12 h 50 min 09 s
